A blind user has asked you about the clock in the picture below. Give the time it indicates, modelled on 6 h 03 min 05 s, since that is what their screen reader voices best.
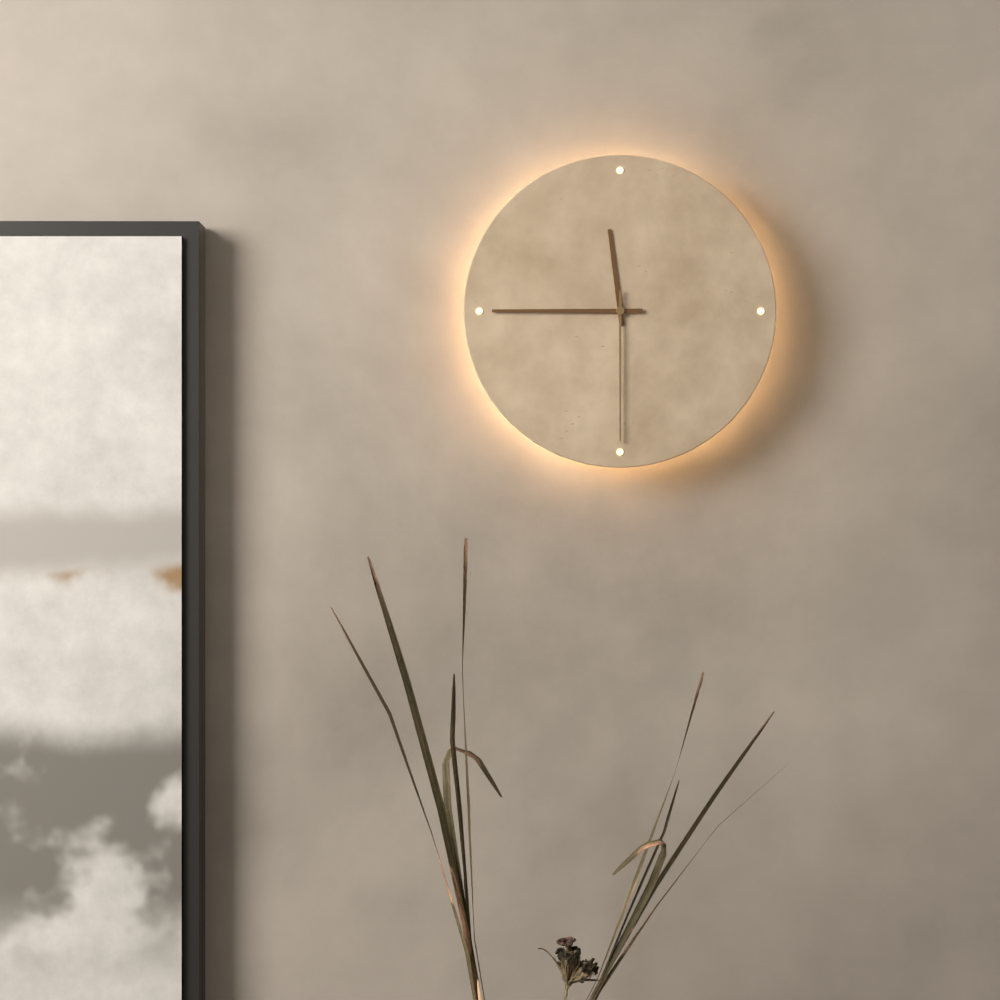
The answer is 11 h 45 min 30 s
